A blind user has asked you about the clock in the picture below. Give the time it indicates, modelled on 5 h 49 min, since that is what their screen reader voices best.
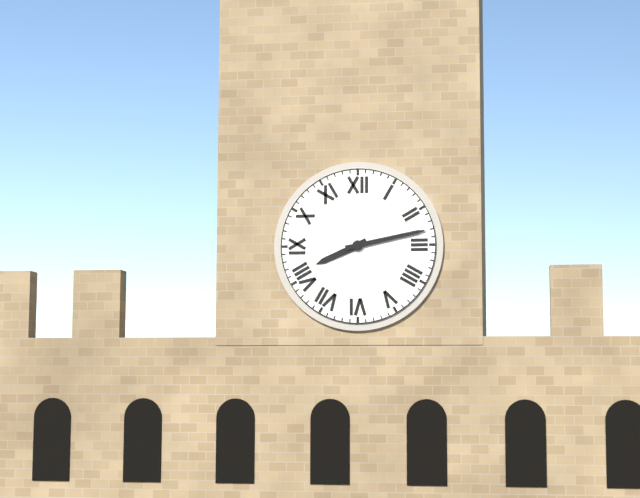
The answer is 8 h 13 min
